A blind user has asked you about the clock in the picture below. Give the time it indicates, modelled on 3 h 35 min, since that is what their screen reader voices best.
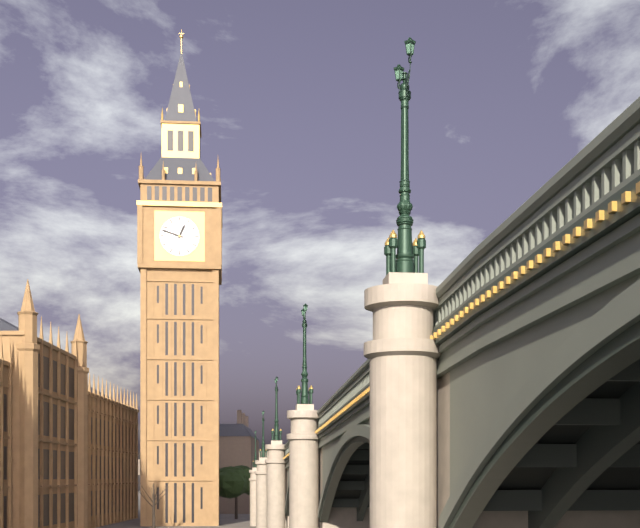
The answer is 12 h 48 min
